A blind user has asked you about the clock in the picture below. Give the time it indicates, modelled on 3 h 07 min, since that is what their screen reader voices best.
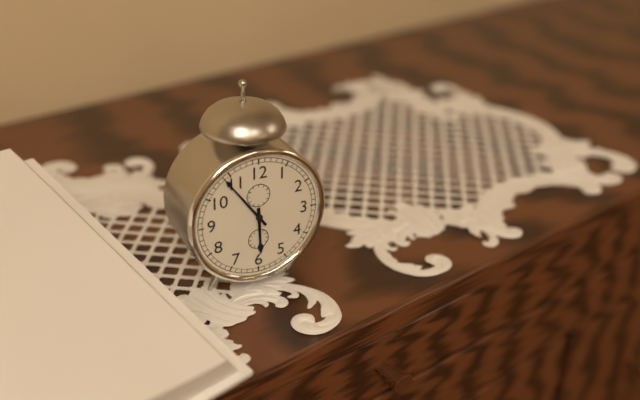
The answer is 5 h 54 min
